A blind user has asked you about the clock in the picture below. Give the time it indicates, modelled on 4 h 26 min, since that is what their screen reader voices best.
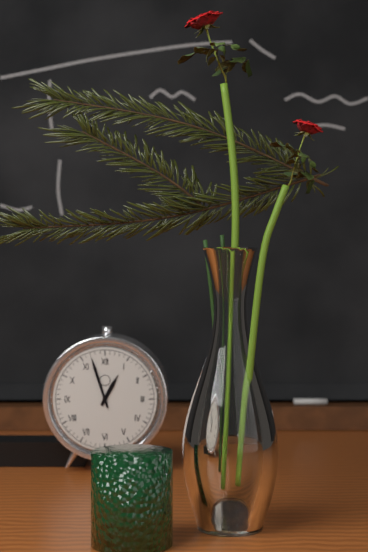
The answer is 12 h 57 min
